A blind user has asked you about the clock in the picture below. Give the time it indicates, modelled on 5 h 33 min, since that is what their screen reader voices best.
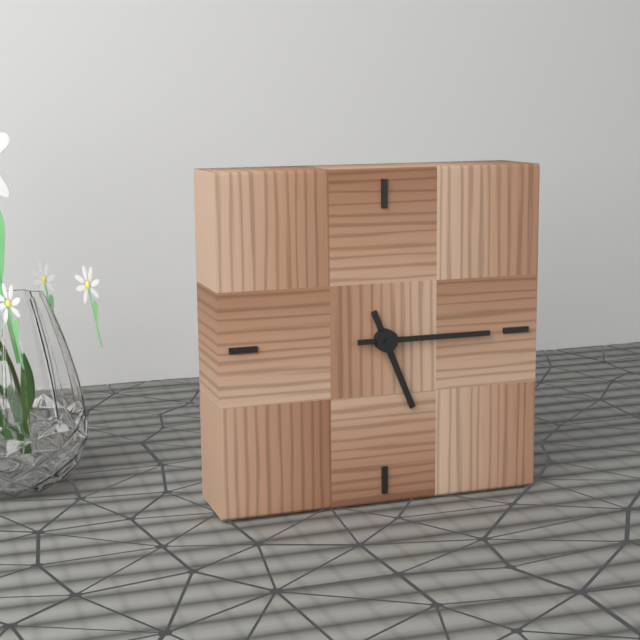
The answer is 5 h 15 min
